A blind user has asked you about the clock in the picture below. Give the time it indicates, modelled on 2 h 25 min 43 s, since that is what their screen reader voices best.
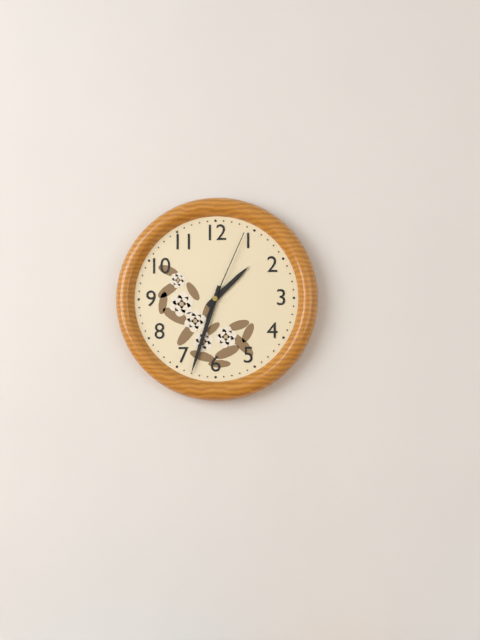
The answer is 1 h 33 min 04 s
